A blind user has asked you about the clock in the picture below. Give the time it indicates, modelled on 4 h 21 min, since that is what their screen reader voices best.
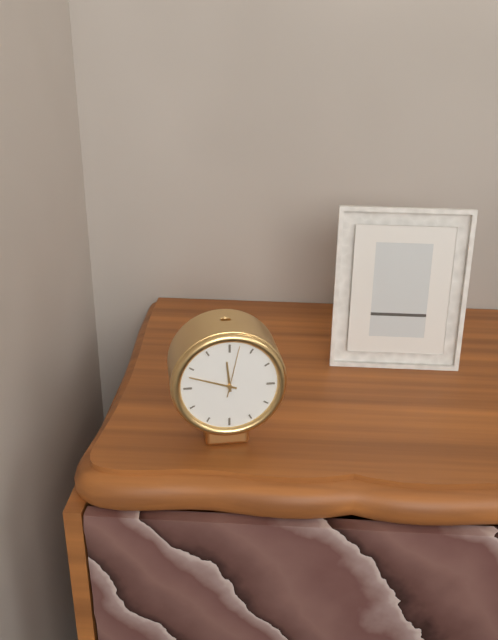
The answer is 11 h 48 min
